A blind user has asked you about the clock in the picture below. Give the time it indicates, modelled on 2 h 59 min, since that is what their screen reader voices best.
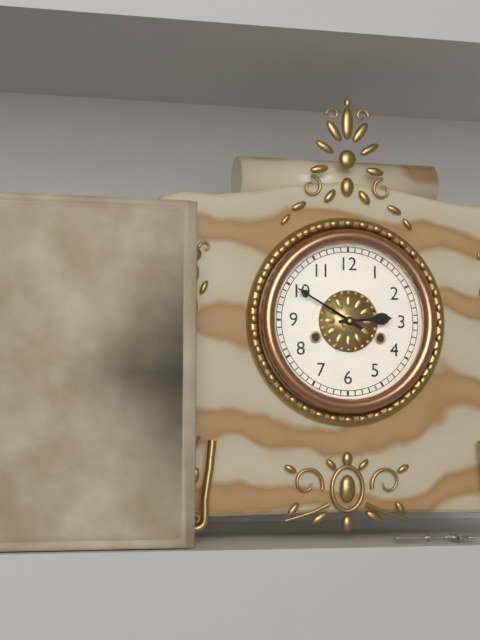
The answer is 2 h 50 min
